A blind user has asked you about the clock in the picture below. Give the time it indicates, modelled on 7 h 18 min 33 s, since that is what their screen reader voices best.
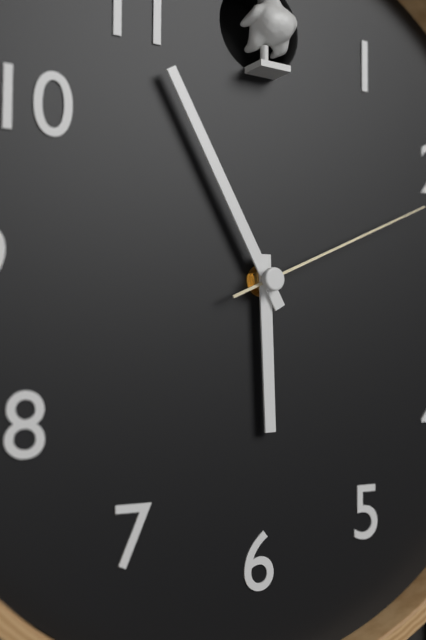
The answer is 5 h 55 min 11 s
